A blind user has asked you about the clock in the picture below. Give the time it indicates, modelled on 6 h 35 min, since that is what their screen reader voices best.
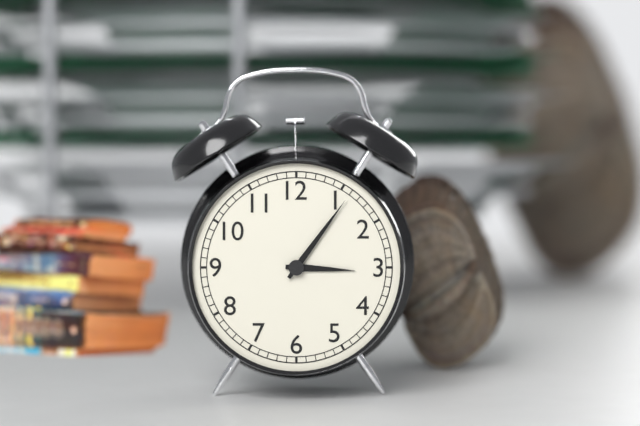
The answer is 3 h 06 min
